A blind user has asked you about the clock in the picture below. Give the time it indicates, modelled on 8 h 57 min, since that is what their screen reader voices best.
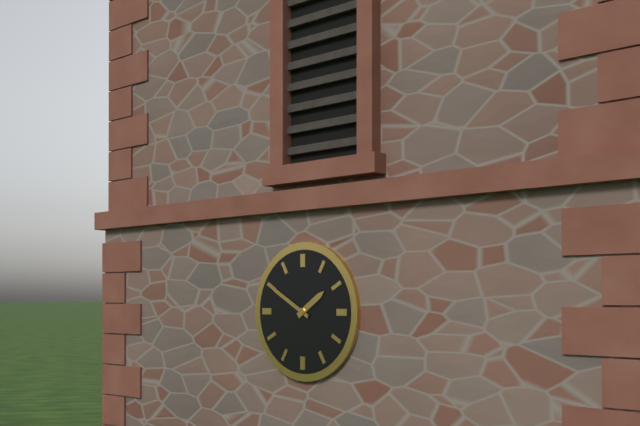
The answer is 1 h 50 min
